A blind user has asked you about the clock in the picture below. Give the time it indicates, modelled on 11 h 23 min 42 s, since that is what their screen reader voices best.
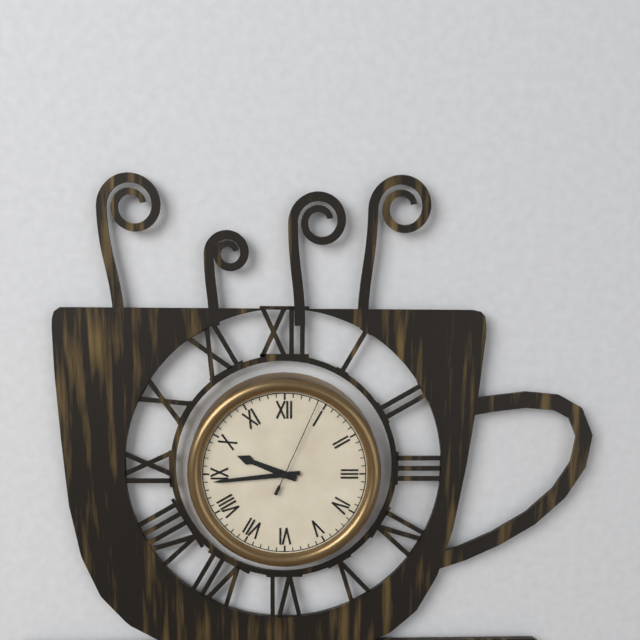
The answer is 9 h 44 min 04 s
